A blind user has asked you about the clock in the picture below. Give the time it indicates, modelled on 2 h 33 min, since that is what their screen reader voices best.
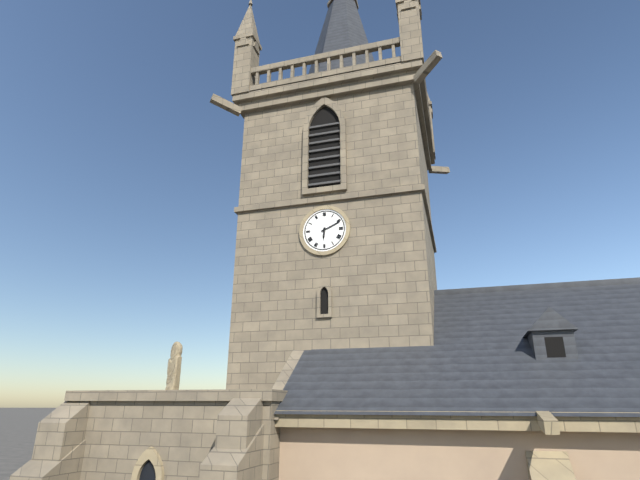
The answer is 6 h 11 min
